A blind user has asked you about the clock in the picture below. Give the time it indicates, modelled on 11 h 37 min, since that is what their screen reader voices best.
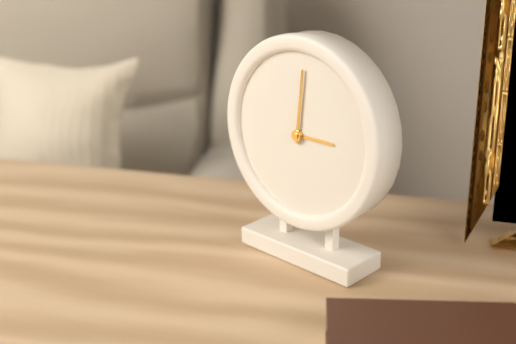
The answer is 3 h 01 min
